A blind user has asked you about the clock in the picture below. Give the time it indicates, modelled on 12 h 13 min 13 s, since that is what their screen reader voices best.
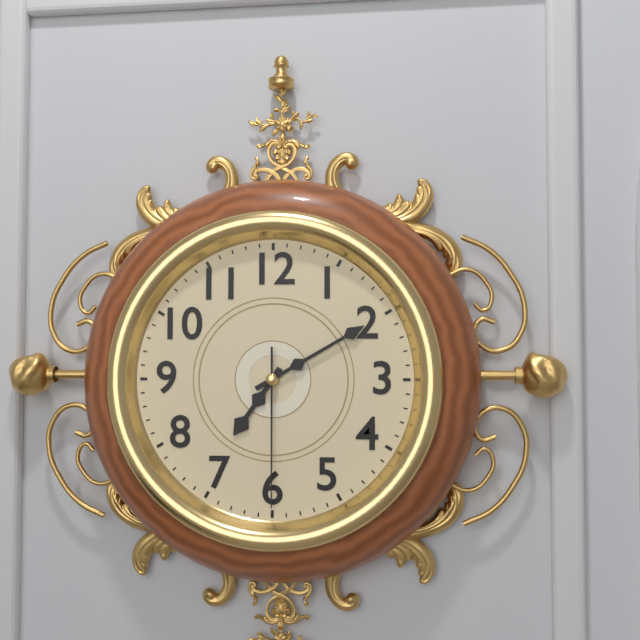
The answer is 7 h 10 min 30 s
